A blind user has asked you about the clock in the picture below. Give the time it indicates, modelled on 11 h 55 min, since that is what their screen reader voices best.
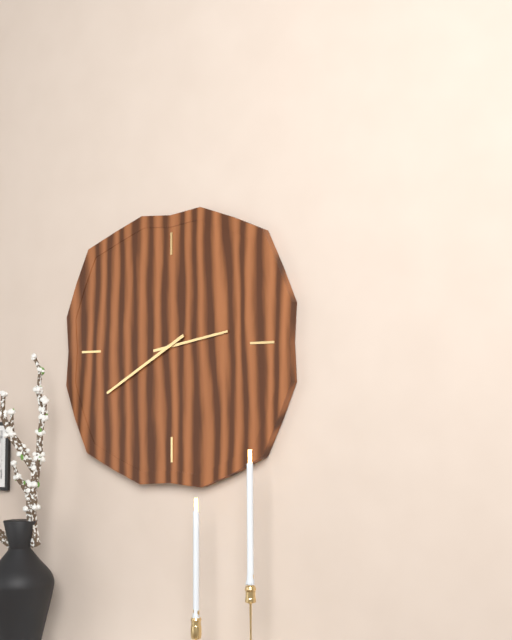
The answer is 2 h 40 min
